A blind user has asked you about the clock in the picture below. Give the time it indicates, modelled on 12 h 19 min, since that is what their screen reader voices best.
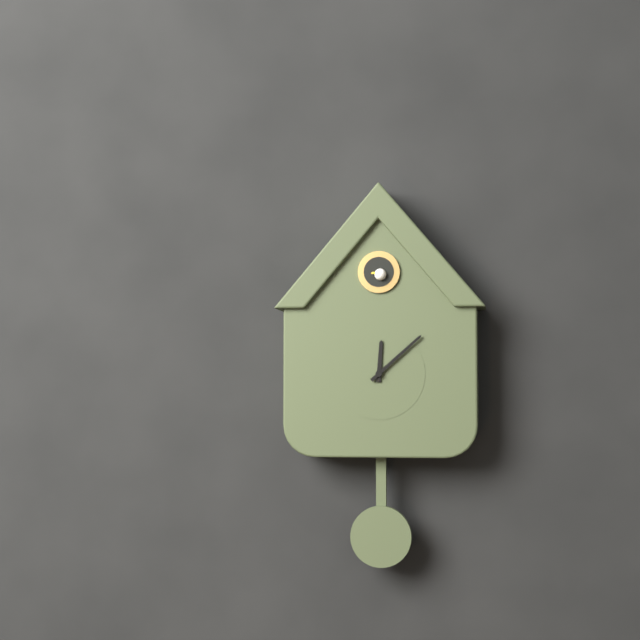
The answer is 12 h 08 min
